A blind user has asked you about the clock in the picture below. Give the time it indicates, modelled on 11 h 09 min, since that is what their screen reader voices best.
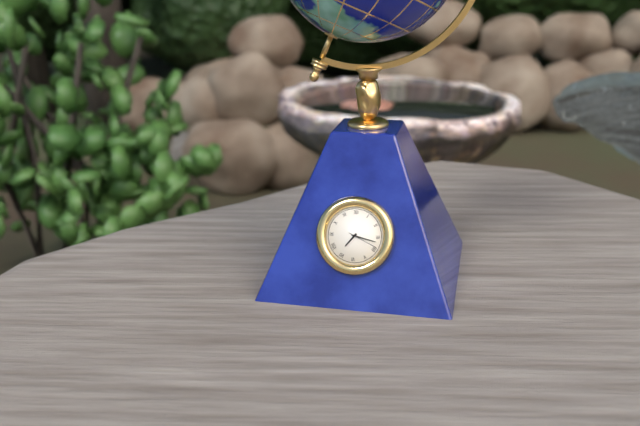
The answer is 7 h 17 min
